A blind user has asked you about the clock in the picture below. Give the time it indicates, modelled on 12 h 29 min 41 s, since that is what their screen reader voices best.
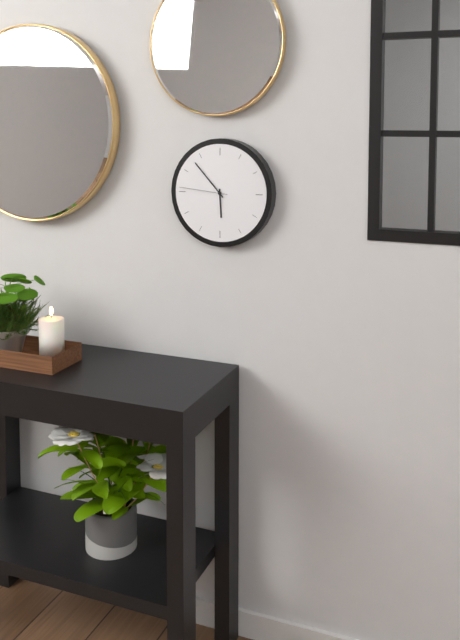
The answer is 5 h 53 min 46 s
